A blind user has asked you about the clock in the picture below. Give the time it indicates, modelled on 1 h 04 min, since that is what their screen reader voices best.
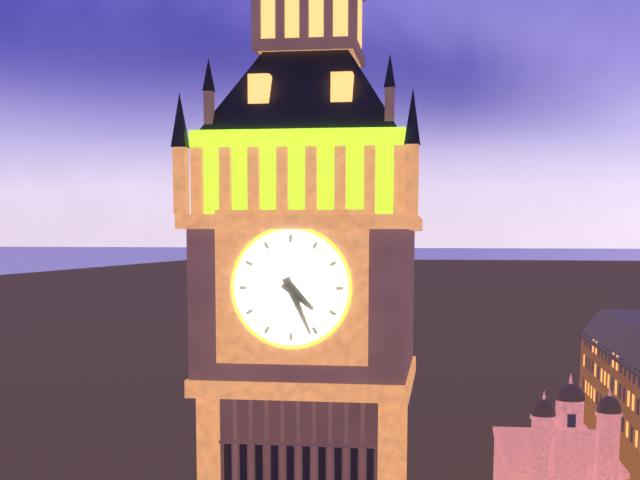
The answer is 4 h 26 min
